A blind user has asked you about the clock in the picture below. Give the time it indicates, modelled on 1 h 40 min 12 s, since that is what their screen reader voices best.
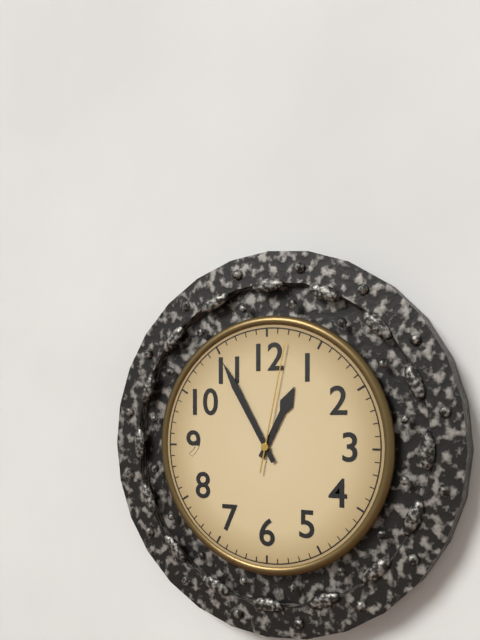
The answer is 12 h 55 min 02 s
